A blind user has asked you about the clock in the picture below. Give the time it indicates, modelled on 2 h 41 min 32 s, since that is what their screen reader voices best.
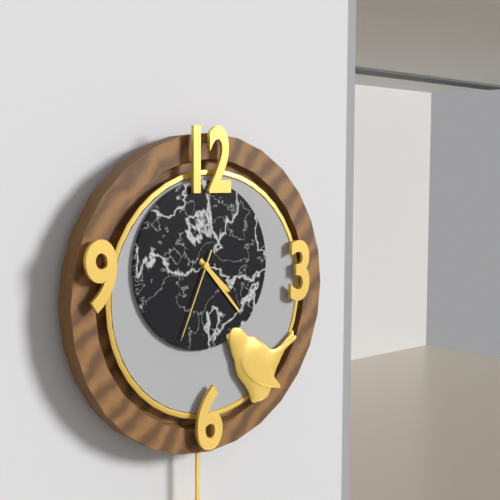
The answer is 4 h 23 min 34 s
